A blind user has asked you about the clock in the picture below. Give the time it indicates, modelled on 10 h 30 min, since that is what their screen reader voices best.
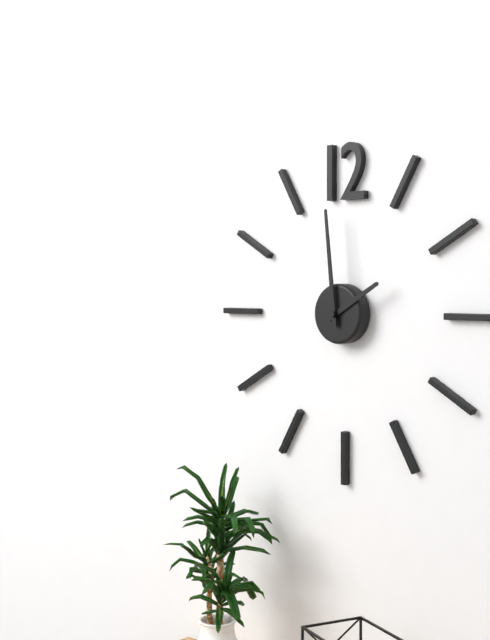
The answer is 1 h 59 min
